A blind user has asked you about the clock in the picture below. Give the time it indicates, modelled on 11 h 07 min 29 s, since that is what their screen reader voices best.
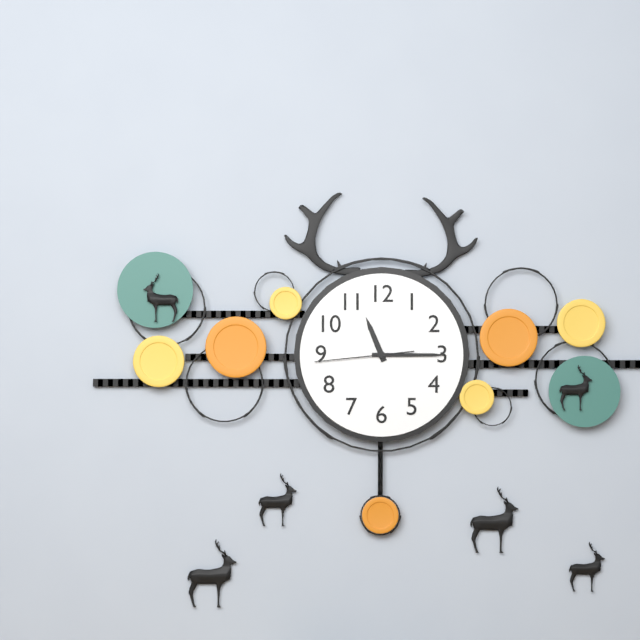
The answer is 11 h 15 min 44 s
